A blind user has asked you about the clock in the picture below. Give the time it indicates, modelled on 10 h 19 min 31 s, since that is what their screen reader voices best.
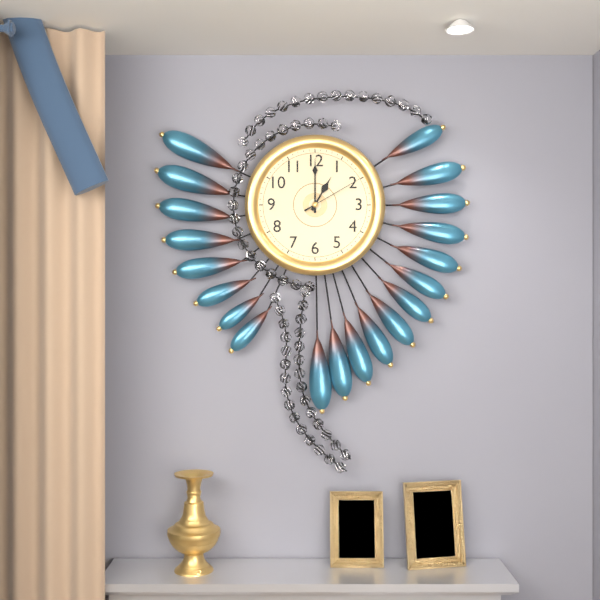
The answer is 1 h 00 min 10 s
